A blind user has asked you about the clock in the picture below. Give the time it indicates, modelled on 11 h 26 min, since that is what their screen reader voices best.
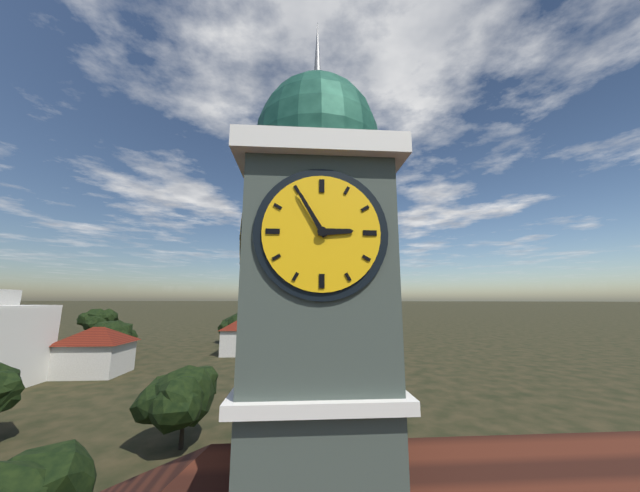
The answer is 2 h 55 min
